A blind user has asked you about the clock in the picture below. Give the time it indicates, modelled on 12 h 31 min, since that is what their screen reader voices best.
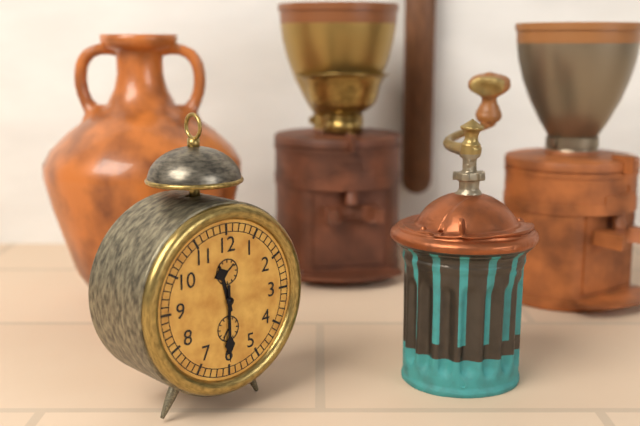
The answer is 11 h 30 min
